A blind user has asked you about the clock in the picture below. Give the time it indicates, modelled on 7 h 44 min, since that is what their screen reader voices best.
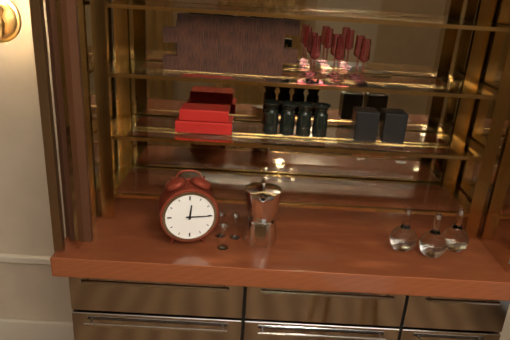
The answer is 12 h 15 min
